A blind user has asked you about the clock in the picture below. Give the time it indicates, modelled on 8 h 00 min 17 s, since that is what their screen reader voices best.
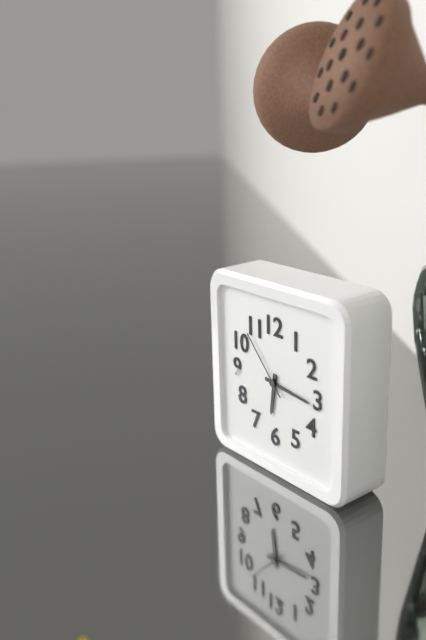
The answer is 6 h 16 min 53 s
